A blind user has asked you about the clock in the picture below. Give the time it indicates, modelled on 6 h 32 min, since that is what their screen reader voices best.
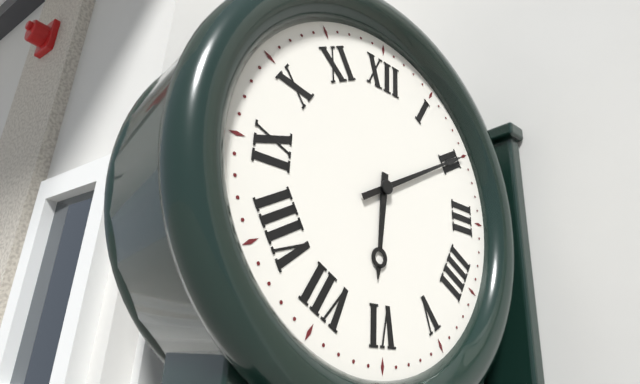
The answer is 6 h 10 min
